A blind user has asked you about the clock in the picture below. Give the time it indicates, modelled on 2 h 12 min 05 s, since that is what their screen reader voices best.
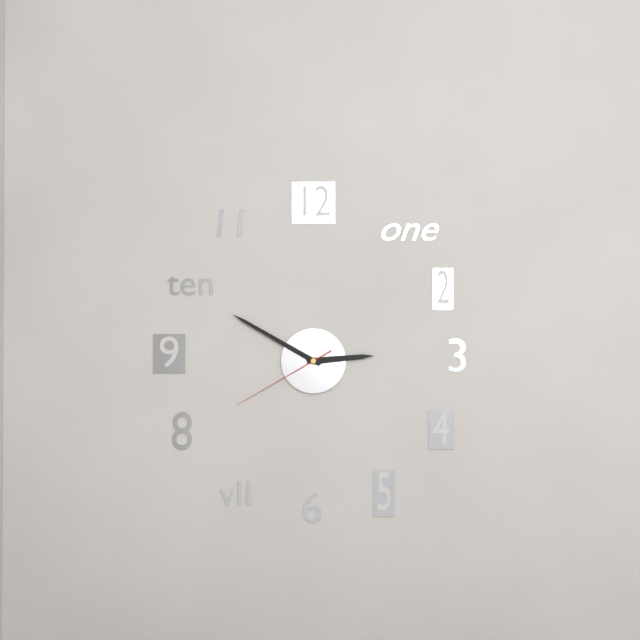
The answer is 2 h 50 min 40 s
